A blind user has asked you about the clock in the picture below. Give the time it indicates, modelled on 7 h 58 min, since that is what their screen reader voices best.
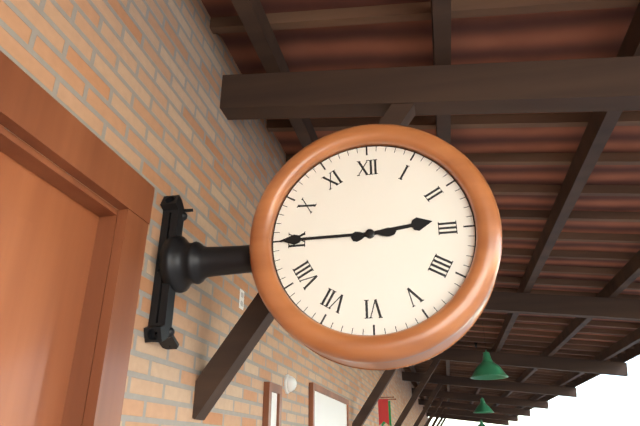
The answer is 2 h 45 min
